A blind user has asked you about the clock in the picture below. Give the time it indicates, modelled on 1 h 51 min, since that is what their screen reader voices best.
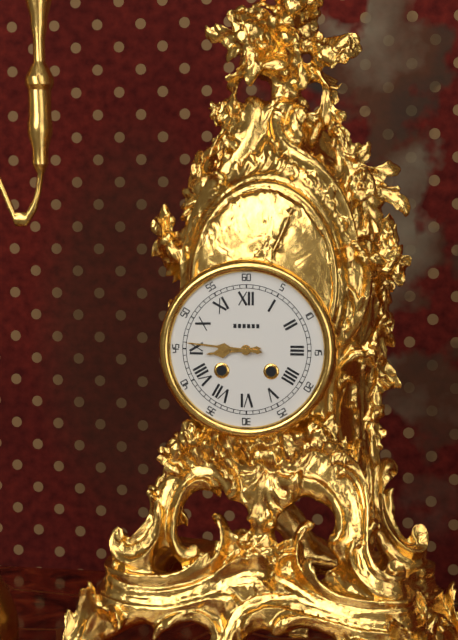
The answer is 8 h 46 min
